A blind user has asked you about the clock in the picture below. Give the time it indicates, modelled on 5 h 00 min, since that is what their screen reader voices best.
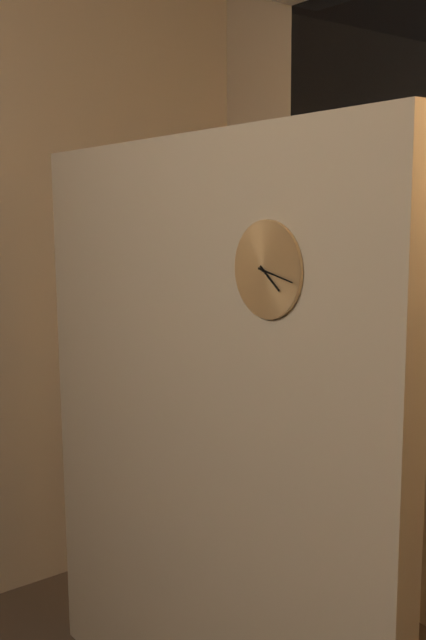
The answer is 4 h 17 min
